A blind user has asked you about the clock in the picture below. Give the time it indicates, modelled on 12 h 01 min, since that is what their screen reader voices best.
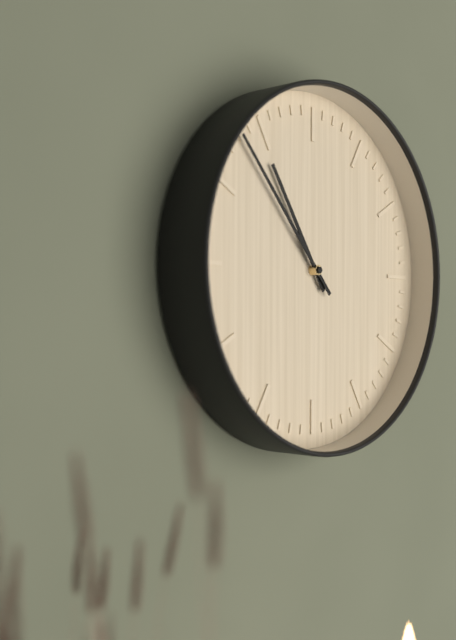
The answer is 10 h 53 min
